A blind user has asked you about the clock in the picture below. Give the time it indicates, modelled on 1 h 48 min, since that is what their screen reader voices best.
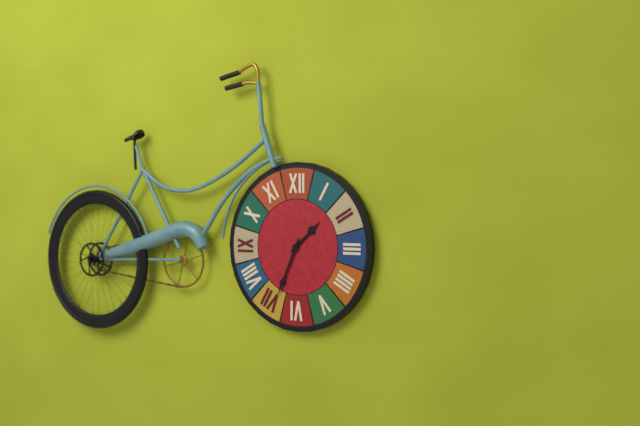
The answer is 1 h 34 min
